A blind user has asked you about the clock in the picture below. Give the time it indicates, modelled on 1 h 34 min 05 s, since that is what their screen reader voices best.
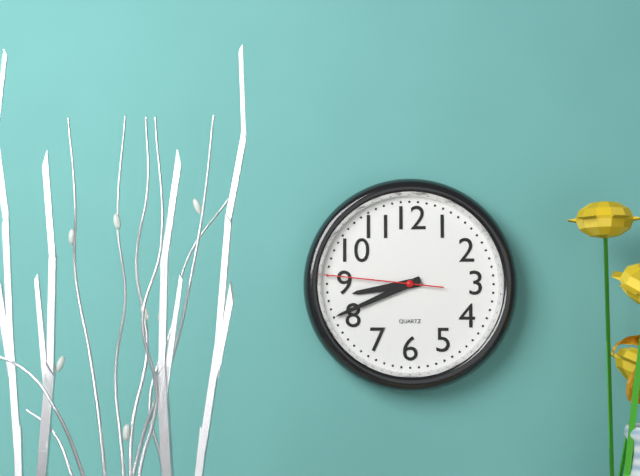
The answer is 8 h 41 min 46 s
